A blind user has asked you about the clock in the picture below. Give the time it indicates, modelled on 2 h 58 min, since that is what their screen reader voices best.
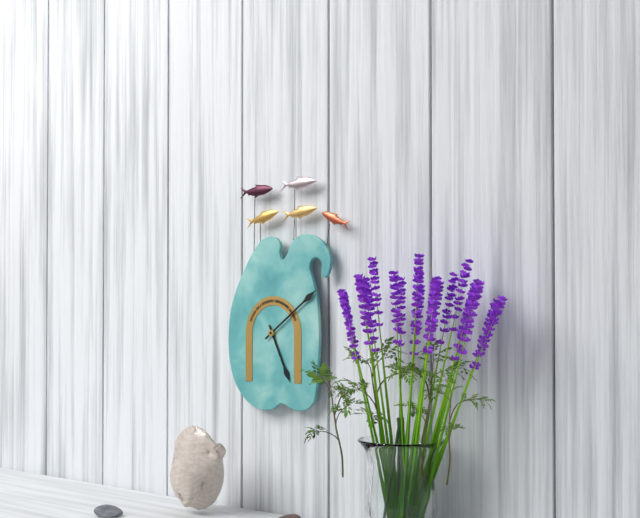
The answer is 5 h 09 min
